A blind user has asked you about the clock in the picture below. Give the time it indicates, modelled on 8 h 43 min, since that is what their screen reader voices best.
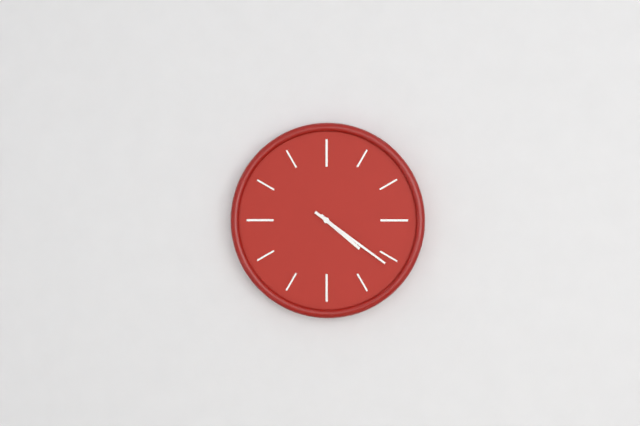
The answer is 4 h 21 min
